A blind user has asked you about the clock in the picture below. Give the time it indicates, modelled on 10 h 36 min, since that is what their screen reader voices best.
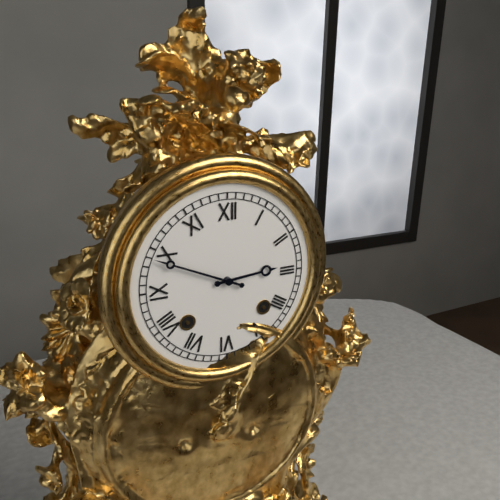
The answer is 2 h 49 min
